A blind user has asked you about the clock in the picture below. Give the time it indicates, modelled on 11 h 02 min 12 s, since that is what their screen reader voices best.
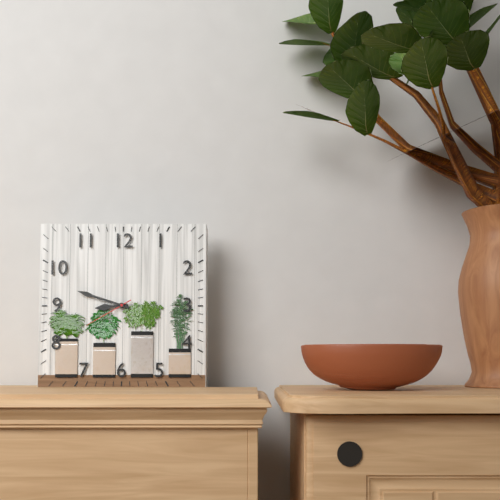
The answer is 8 h 48 min 40 s
